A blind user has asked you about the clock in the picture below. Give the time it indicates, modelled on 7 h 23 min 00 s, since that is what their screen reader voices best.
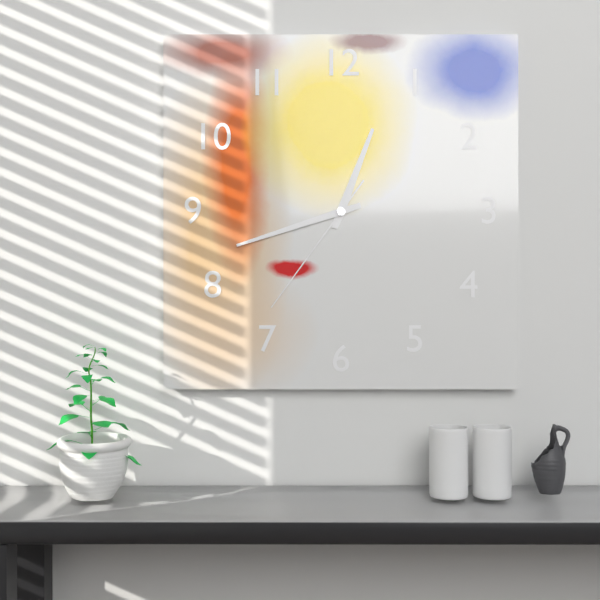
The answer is 12 h 42 min 36 s
